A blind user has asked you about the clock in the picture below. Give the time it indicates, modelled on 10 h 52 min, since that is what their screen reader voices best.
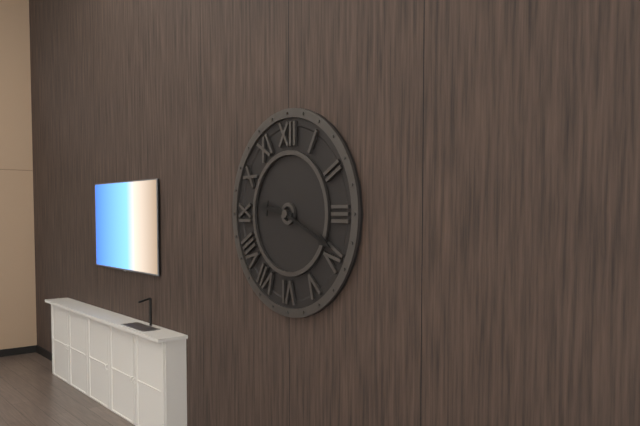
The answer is 9 h 19 min
